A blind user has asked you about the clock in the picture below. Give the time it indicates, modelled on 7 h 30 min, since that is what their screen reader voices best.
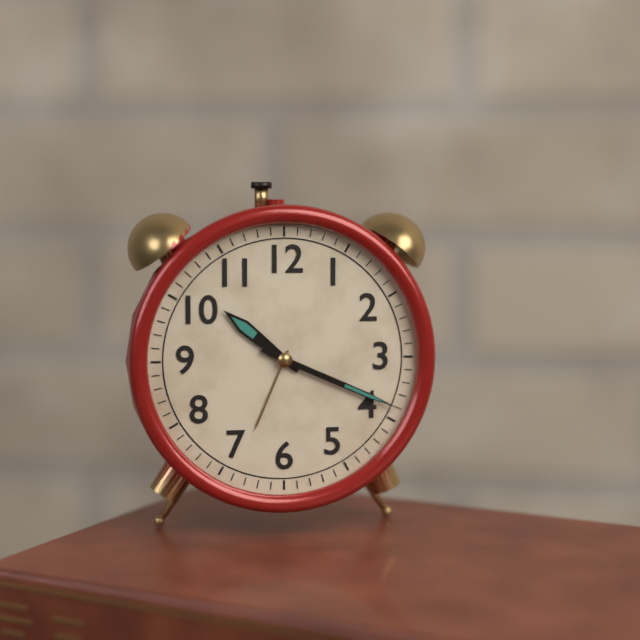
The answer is 10 h 19 min
